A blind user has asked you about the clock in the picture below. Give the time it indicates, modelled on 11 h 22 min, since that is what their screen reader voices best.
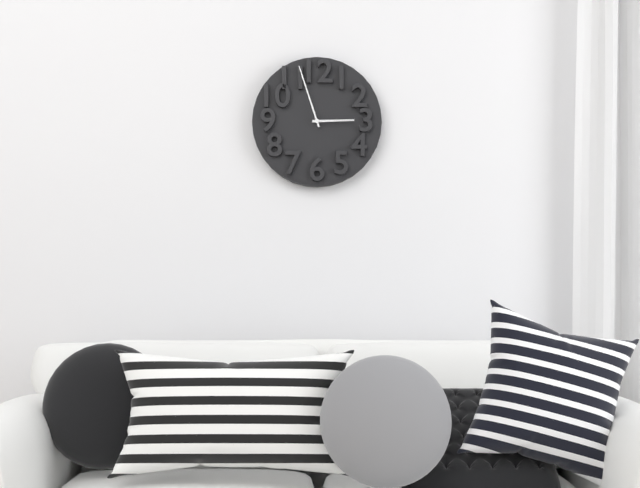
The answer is 2 h 57 min
